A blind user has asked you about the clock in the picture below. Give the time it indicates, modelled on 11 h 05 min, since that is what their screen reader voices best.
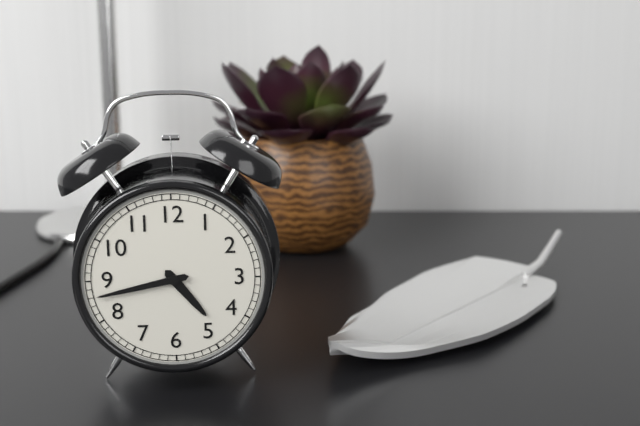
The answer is 4 h 43 min
